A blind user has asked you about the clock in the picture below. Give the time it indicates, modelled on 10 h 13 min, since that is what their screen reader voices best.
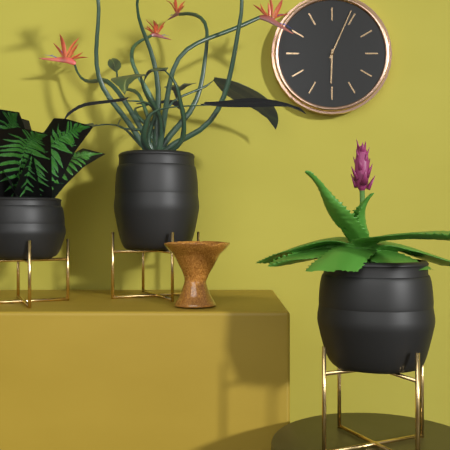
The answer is 6 h 04 min
